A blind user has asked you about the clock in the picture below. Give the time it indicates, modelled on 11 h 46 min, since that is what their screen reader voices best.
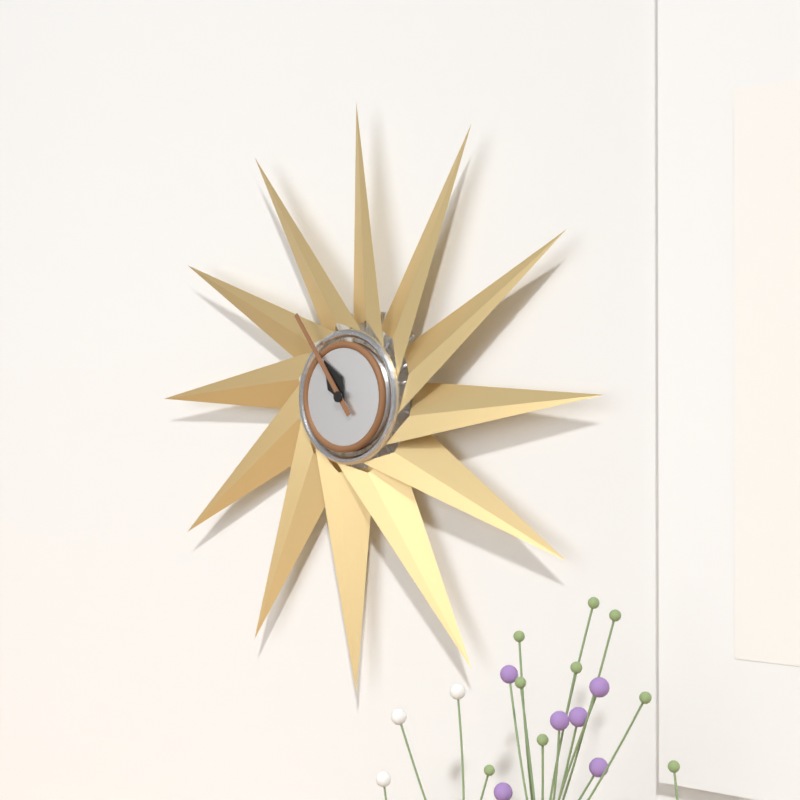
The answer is 10 h 54 min
